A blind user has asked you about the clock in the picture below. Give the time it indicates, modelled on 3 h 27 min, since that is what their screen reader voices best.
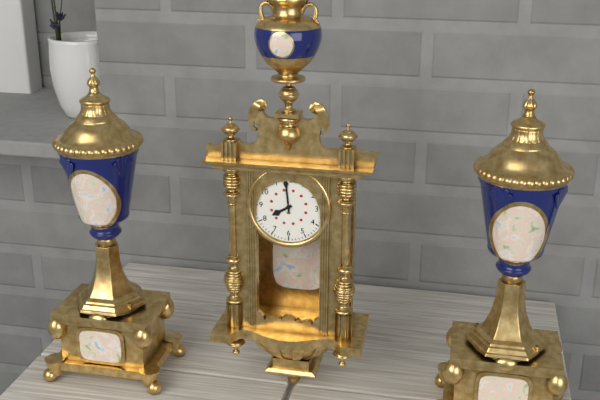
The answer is 7 h 59 min
